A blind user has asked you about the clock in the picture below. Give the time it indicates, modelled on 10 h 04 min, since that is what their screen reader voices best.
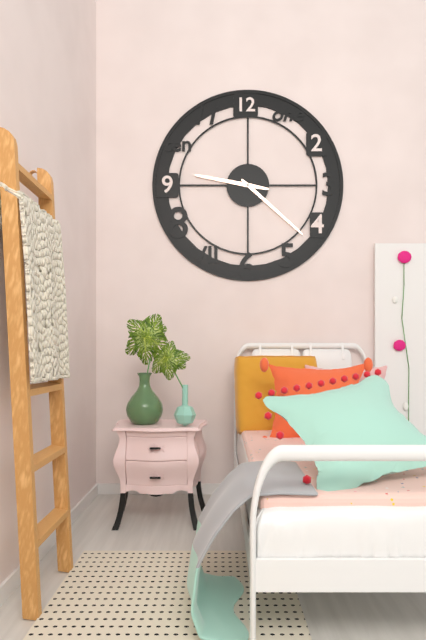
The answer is 9 h 22 min
